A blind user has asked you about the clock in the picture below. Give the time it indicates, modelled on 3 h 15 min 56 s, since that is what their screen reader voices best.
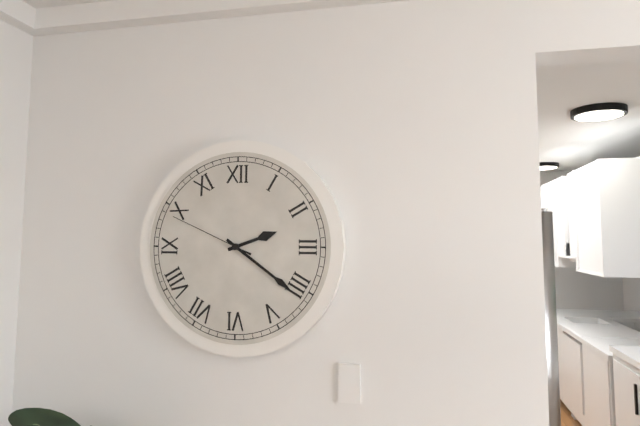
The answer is 2 h 21 min 49 s
